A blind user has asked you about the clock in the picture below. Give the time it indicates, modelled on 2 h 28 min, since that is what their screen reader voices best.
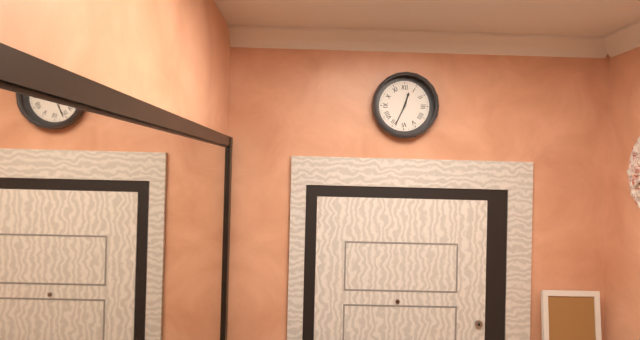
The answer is 12 h 34 min
